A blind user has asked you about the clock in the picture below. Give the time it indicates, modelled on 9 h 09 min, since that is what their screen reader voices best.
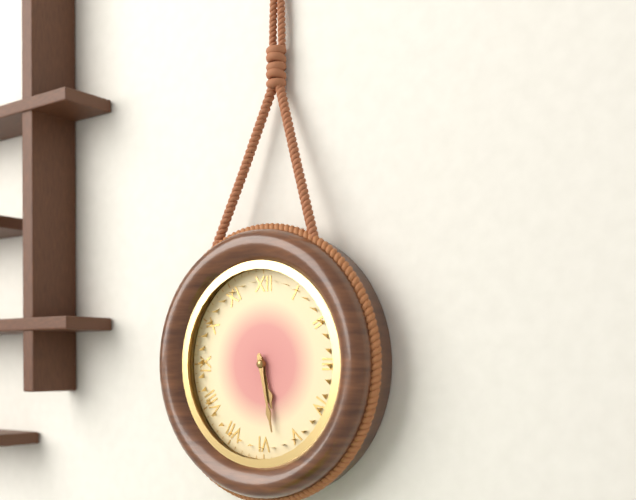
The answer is 5 h 28 min
